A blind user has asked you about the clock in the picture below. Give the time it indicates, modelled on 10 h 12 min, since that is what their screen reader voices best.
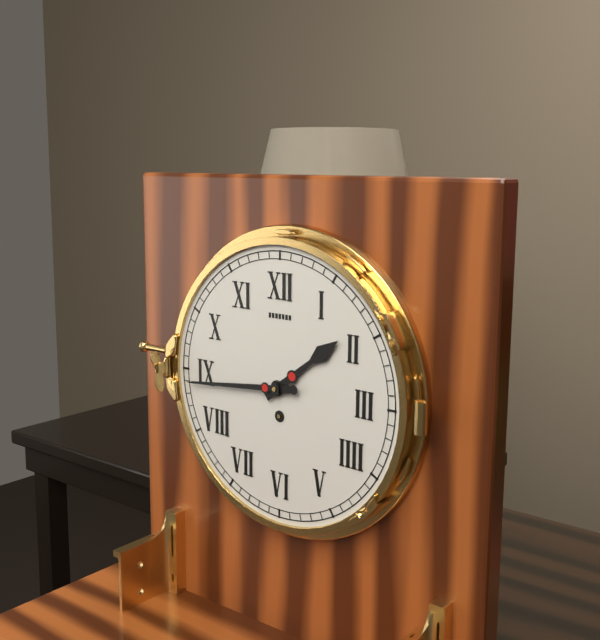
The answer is 1 h 44 min
